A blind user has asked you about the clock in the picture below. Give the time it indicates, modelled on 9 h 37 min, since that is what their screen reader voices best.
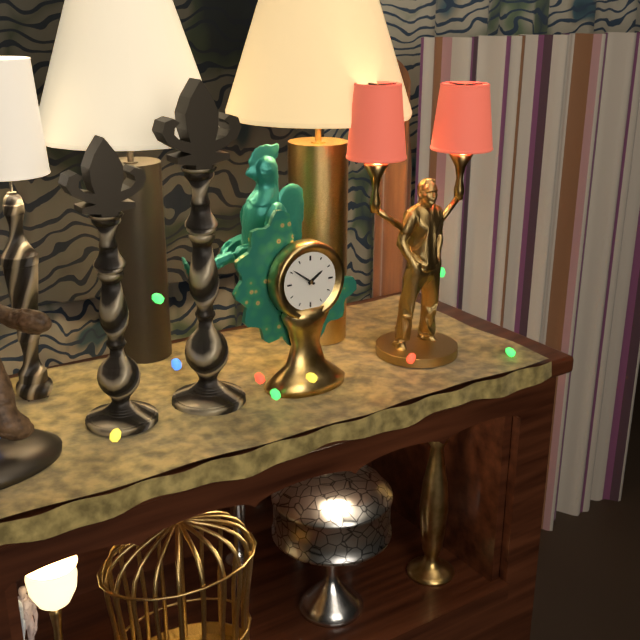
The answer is 1 h 51 min
